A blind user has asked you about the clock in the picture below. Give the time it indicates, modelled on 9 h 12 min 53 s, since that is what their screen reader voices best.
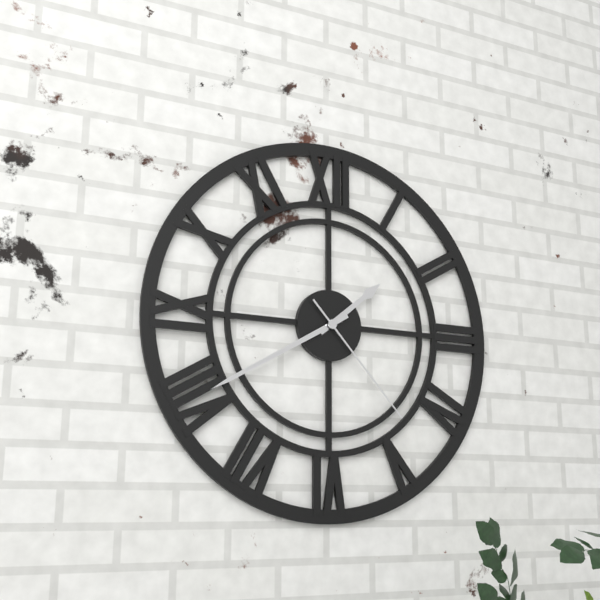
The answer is 1 h 40 min 23 s
